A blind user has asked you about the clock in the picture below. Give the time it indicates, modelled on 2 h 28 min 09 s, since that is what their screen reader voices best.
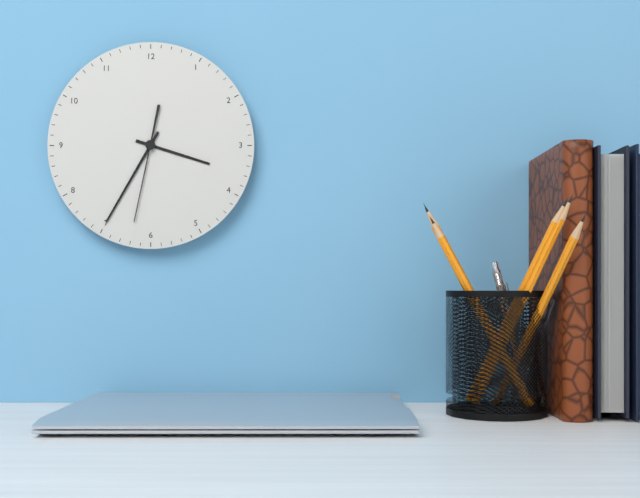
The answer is 3 h 35 min 32 s
